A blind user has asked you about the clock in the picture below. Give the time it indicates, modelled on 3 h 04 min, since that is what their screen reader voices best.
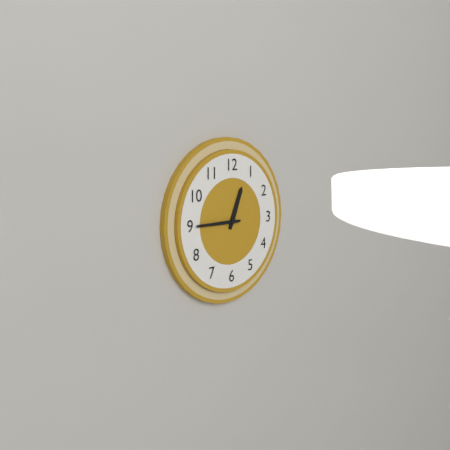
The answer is 12 h 45 min
